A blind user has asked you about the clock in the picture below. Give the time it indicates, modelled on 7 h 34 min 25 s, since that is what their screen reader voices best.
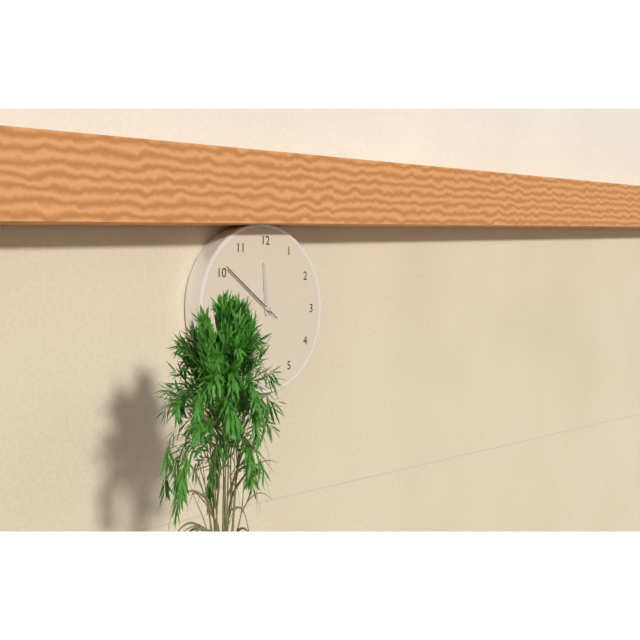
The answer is 11 h 51 min 51 s
